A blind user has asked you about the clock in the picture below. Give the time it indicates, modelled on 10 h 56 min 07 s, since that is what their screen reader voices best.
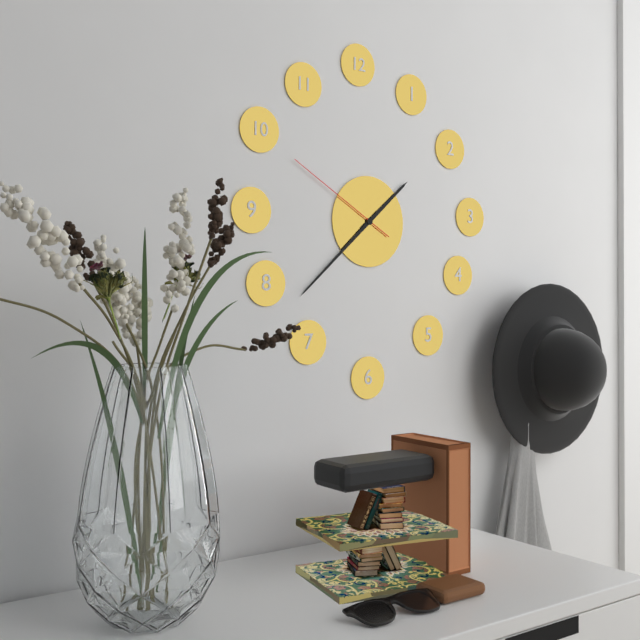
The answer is 1 h 38 min 50 s
